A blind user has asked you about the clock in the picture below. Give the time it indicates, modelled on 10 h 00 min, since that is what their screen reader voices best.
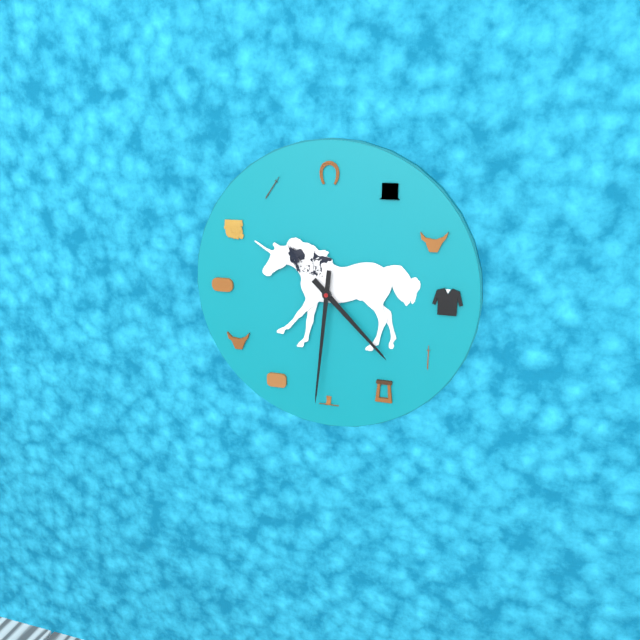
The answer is 4 h 31 min
